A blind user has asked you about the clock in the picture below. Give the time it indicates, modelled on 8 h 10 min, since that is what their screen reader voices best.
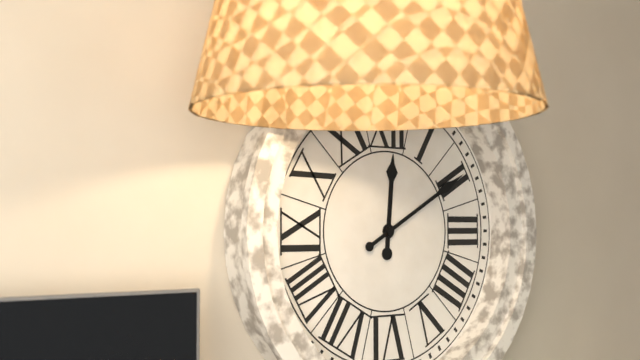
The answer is 12 h 10 min
